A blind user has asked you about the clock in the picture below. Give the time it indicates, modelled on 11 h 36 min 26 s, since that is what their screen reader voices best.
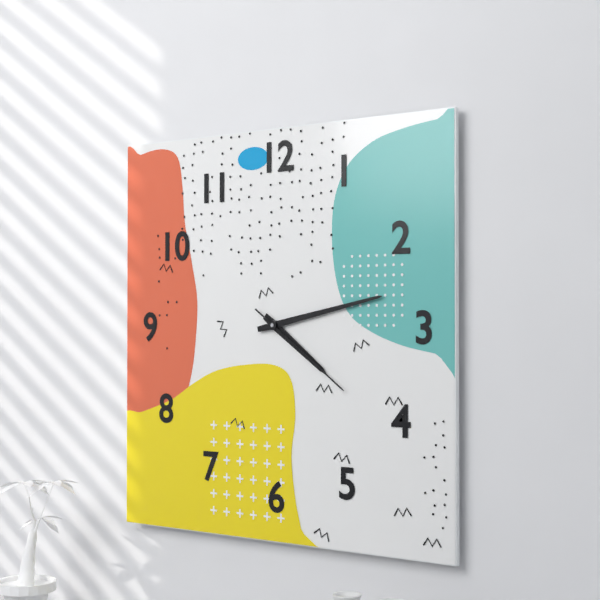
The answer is 4 h 13 min 21 s
